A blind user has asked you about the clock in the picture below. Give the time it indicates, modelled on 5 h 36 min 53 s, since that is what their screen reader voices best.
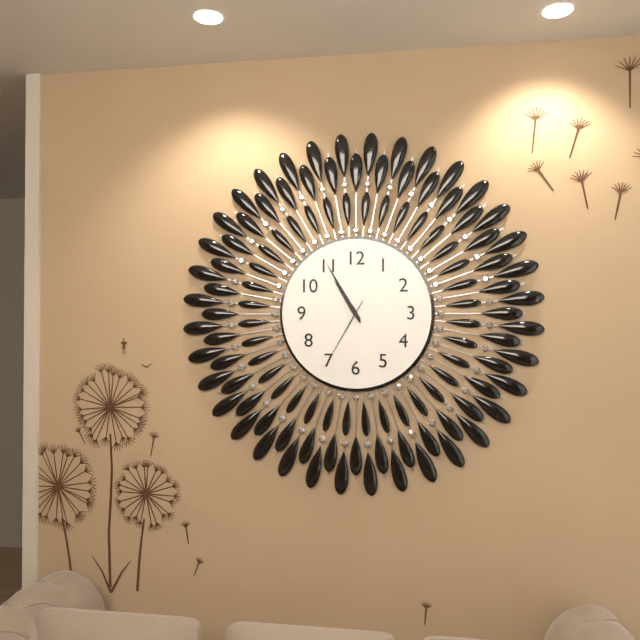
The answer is 10 h 55 min 35 s
